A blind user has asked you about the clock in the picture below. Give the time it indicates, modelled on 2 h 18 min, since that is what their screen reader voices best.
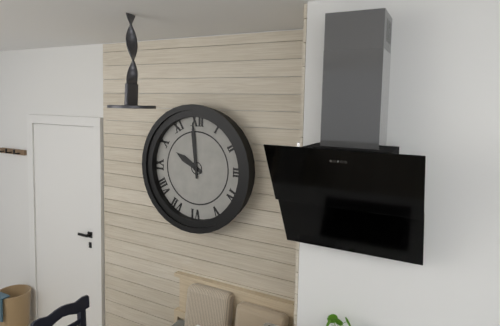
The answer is 9 h 59 min
